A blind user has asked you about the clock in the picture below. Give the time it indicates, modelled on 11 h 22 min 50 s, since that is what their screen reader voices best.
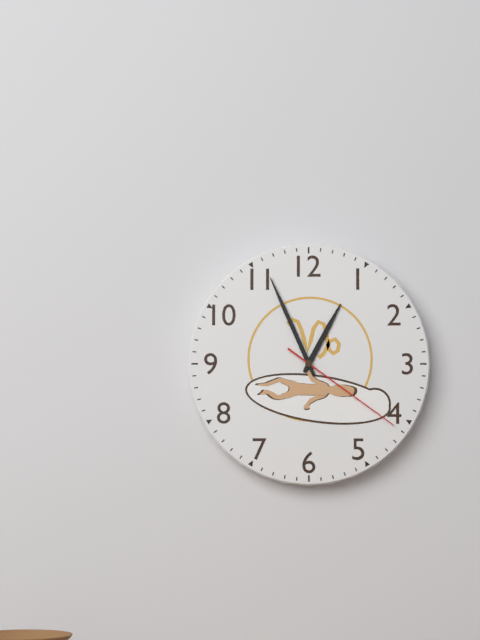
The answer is 12 h 56 min 21 s
